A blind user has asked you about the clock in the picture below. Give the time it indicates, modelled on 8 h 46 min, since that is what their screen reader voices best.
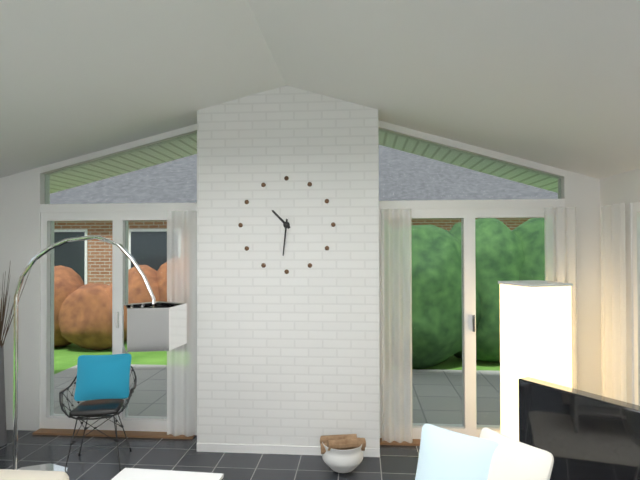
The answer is 10 h 31 min
